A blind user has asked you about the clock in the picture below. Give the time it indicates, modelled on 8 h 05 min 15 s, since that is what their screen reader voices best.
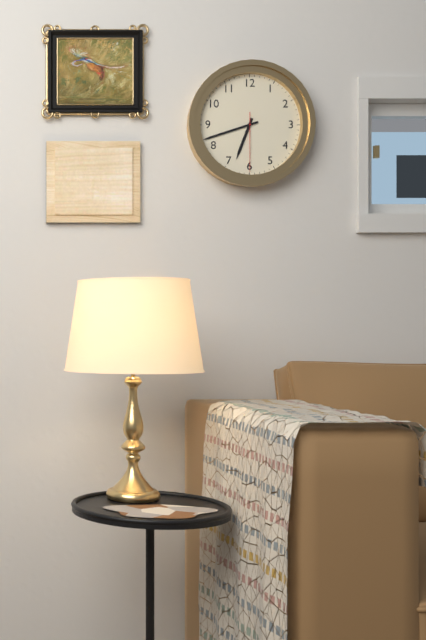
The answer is 6 h 42 min 30 s
